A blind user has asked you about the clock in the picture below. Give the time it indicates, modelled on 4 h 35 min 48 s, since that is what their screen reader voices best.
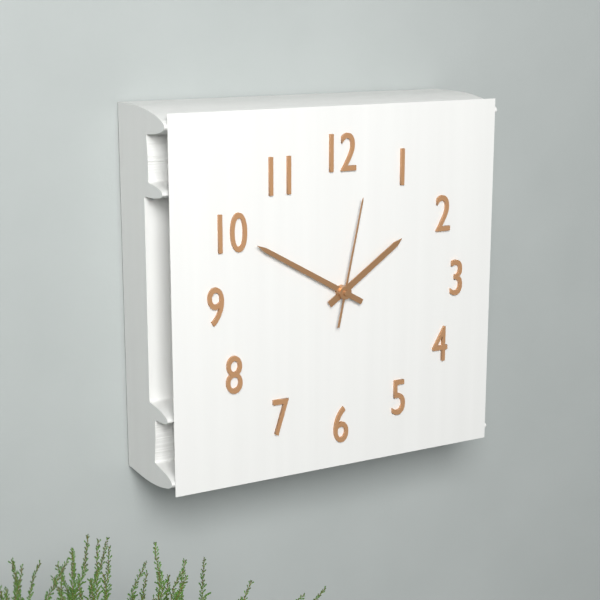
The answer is 1 h 50 min 02 s
